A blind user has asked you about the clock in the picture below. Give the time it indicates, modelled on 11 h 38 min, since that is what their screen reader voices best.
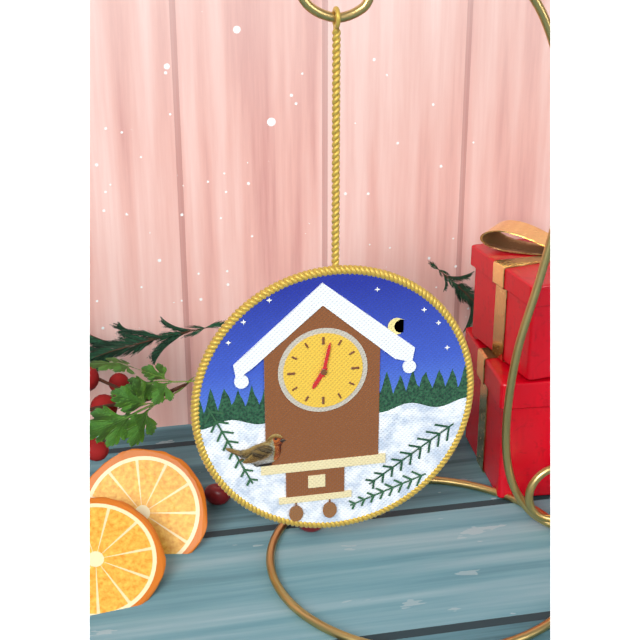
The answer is 7 h 02 min
